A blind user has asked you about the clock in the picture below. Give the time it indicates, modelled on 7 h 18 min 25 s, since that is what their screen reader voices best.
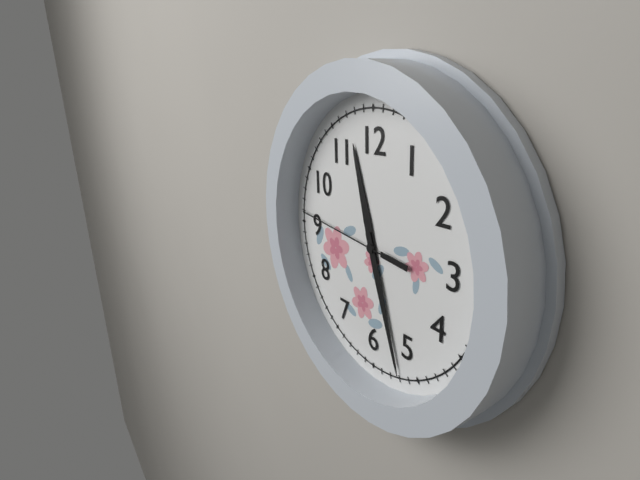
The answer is 11 h 27 min 46 s
